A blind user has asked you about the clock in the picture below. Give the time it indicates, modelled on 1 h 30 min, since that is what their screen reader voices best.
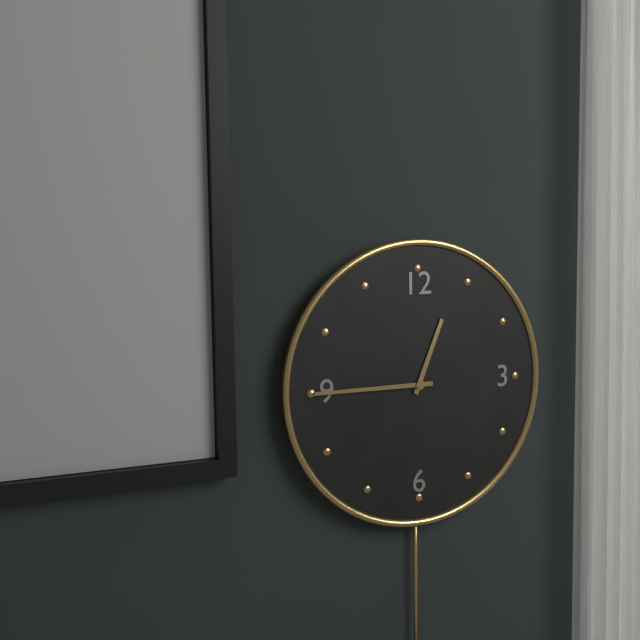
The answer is 12 h 45 min
